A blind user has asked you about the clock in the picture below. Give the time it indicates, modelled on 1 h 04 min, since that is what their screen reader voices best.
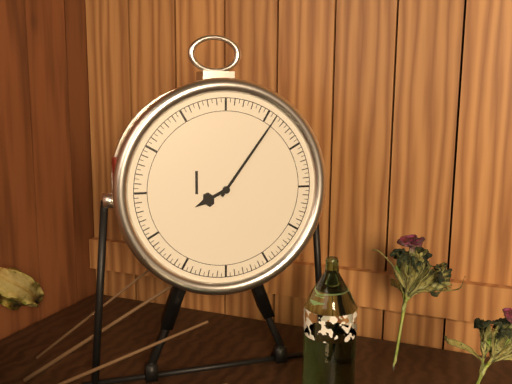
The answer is 8 h 06 min
